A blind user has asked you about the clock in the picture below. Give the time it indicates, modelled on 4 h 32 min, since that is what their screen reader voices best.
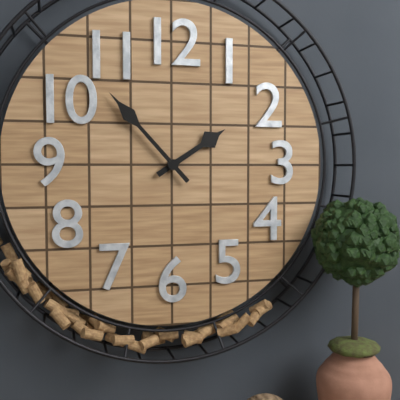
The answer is 1 h 53 min
